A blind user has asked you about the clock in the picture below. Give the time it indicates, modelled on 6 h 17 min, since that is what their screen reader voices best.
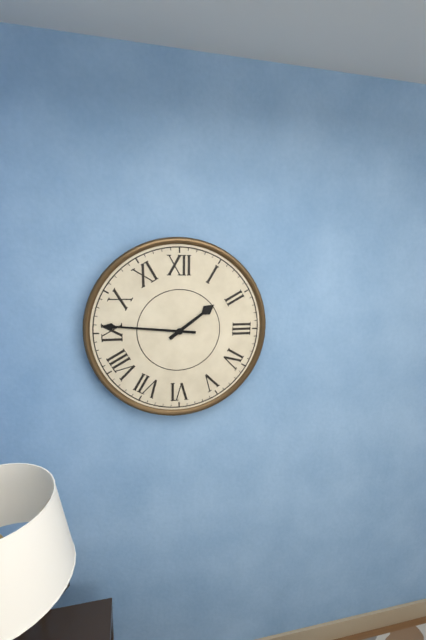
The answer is 1 h 46 min
